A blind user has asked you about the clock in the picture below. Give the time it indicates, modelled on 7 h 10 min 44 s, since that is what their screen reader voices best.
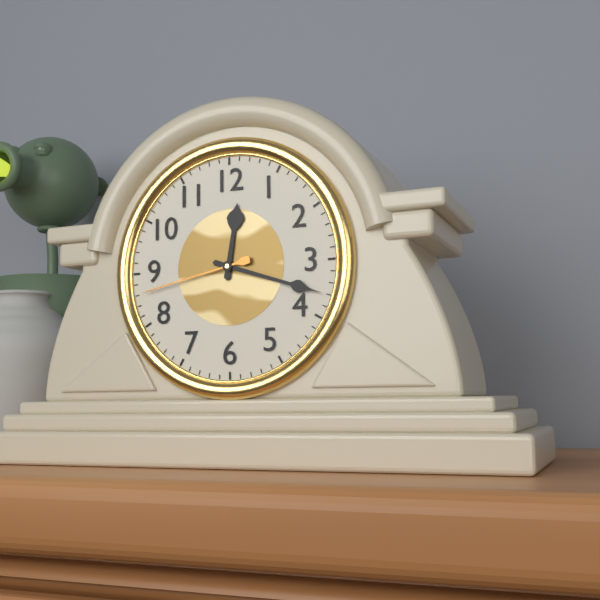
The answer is 12 h 18 min 43 s
